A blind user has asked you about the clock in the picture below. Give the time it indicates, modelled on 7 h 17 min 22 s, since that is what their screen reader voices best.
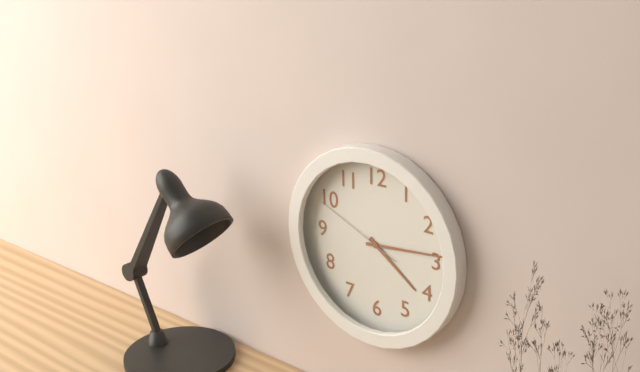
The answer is 4 h 14 min 49 s
